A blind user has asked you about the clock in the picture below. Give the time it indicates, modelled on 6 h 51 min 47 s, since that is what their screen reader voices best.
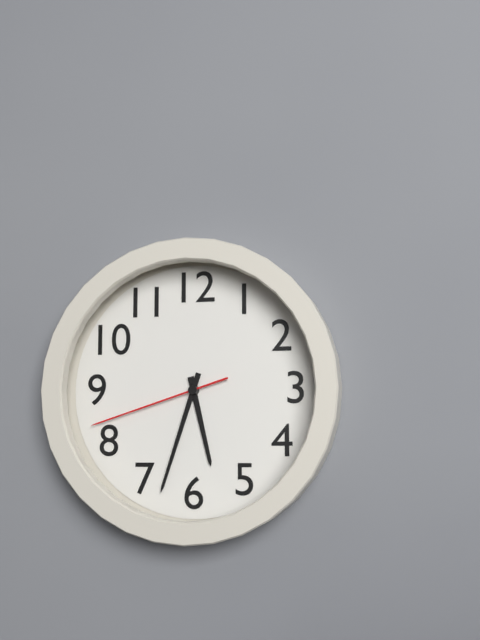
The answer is 5 h 33 min 42 s
